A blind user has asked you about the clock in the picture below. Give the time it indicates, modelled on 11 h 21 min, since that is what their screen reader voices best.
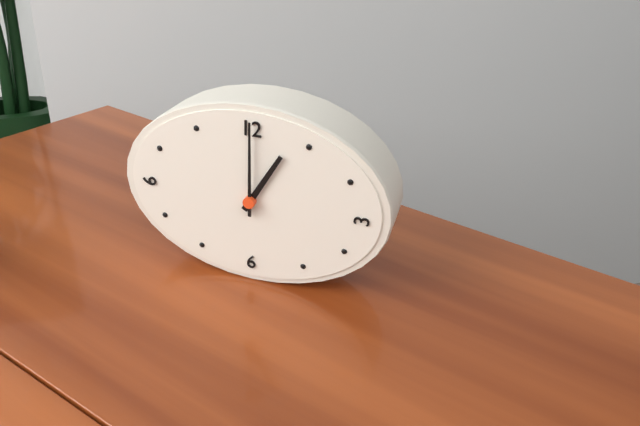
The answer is 1 h 00 min
